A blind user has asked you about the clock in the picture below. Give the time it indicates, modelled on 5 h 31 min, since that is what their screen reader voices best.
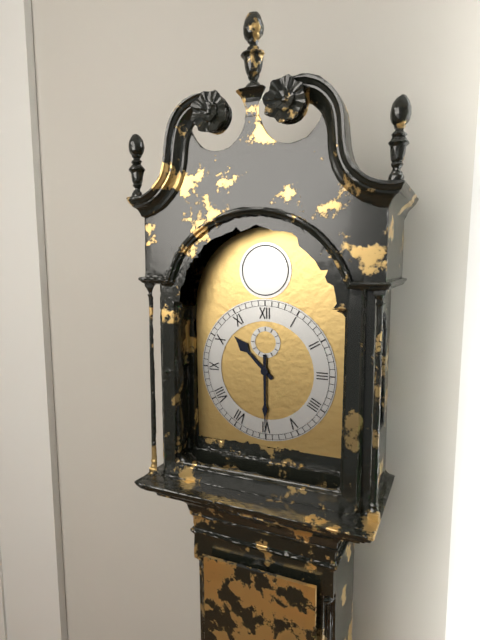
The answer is 10 h 30 min
